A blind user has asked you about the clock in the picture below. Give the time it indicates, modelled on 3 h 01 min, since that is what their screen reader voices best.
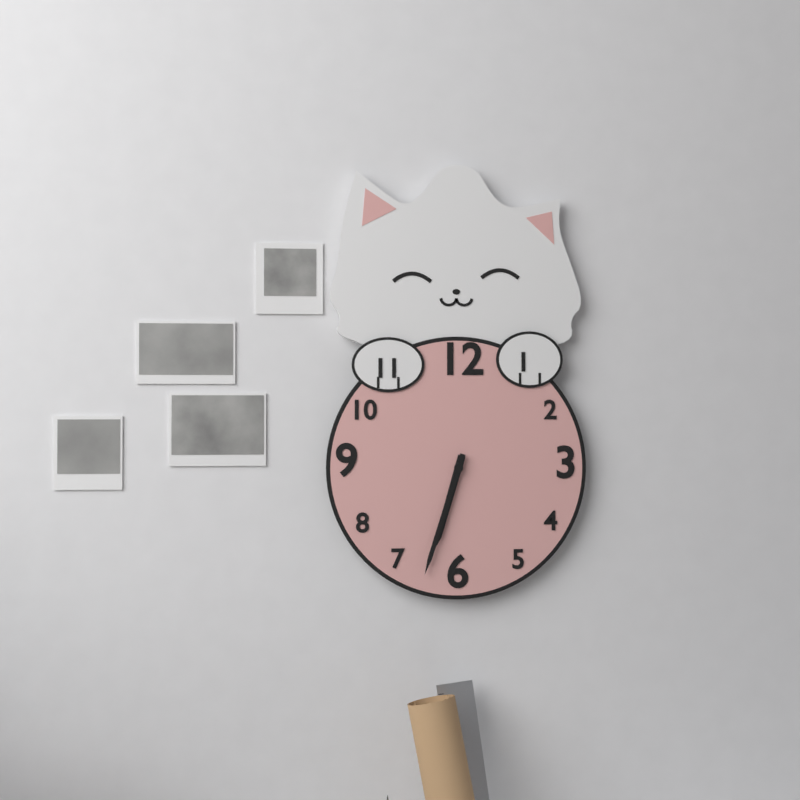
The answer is 6 h 33 min
